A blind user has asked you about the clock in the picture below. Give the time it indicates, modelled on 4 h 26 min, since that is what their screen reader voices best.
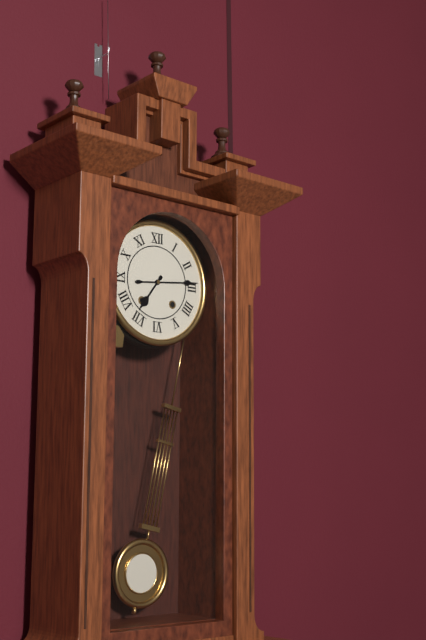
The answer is 7 h 14 min
